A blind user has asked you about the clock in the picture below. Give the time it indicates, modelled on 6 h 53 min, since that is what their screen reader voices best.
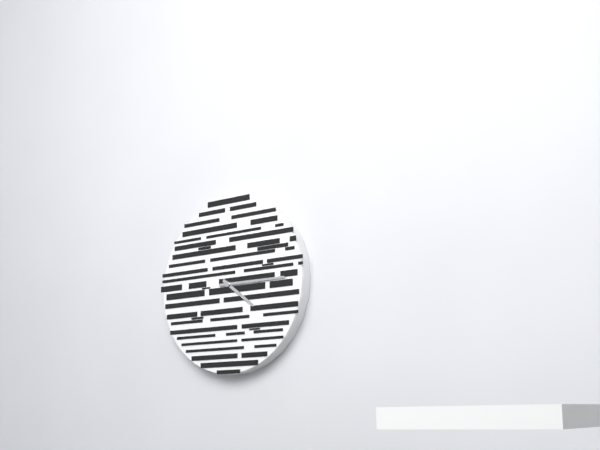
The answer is 4 h 15 min
